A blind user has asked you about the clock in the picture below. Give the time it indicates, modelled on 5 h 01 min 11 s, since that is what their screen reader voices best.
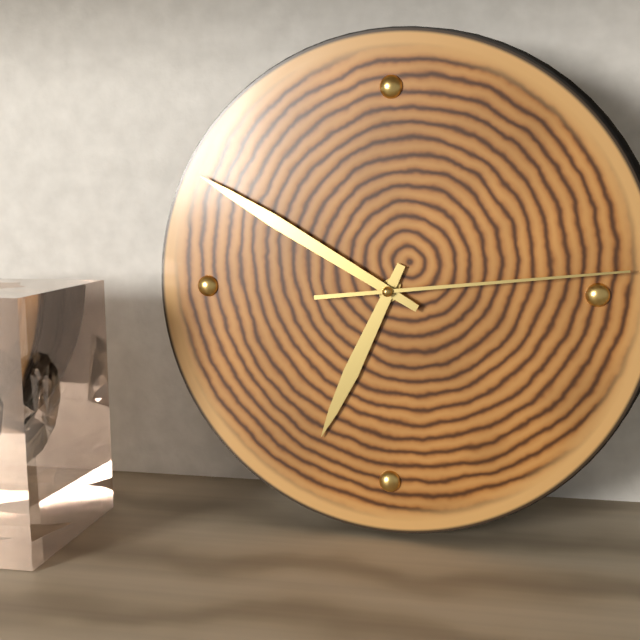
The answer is 6 h 50 min 14 s
